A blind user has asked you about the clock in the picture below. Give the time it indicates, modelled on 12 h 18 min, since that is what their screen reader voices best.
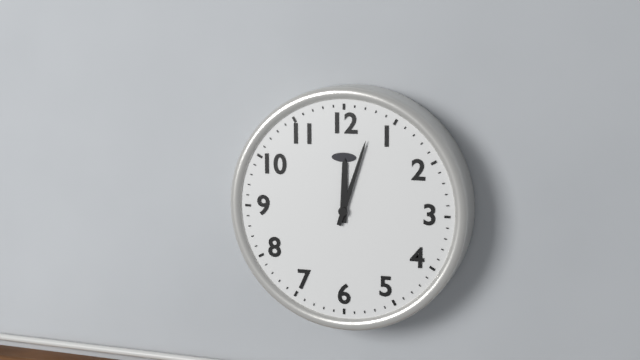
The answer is 12 h 03 min
